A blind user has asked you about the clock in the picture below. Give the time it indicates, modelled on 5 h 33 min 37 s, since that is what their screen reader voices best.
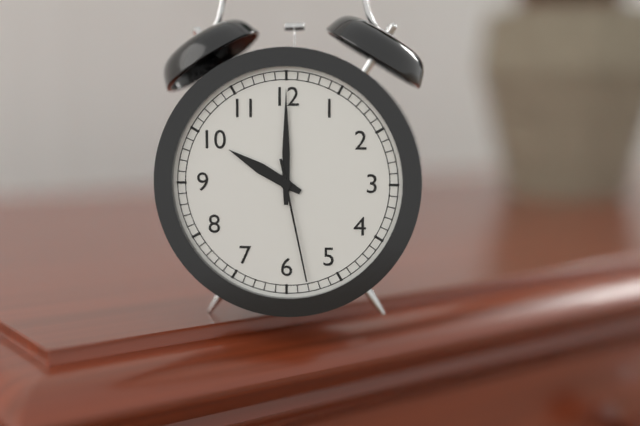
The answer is 10 h 00 min 28 s
